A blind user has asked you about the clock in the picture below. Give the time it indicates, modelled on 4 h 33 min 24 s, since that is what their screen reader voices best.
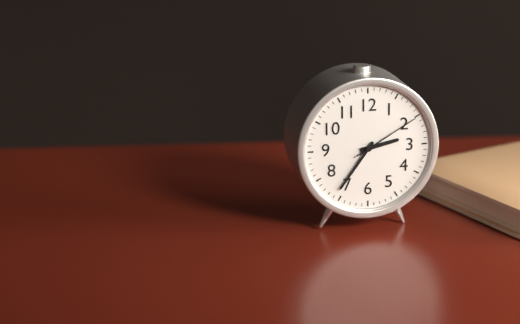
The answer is 2 h 36 min 10 s
